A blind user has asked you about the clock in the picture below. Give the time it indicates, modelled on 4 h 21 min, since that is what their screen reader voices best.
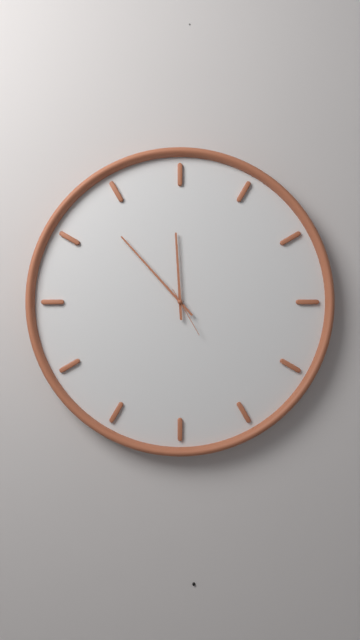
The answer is 11 h 53 min
